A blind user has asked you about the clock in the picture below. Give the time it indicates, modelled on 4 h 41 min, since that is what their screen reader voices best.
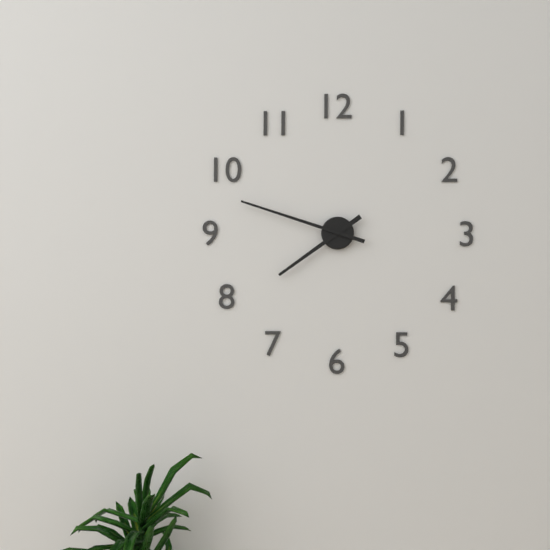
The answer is 7 h 48 min
